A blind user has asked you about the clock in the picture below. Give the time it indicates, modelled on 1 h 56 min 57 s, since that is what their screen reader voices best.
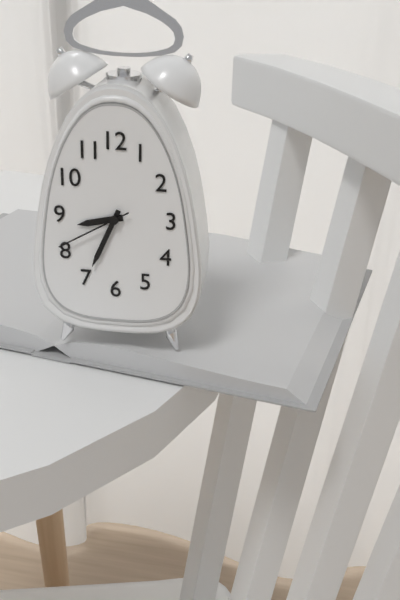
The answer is 8 h 34 min 40 s
